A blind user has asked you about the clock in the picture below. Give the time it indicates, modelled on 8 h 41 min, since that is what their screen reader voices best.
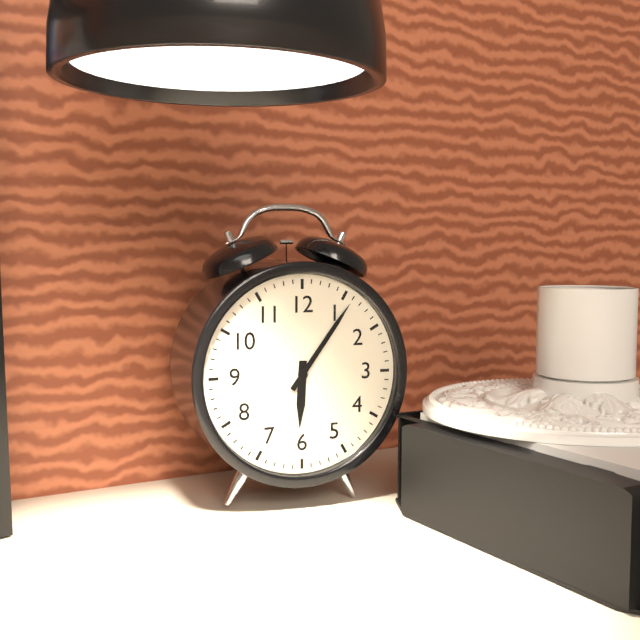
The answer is 6 h 06 min
